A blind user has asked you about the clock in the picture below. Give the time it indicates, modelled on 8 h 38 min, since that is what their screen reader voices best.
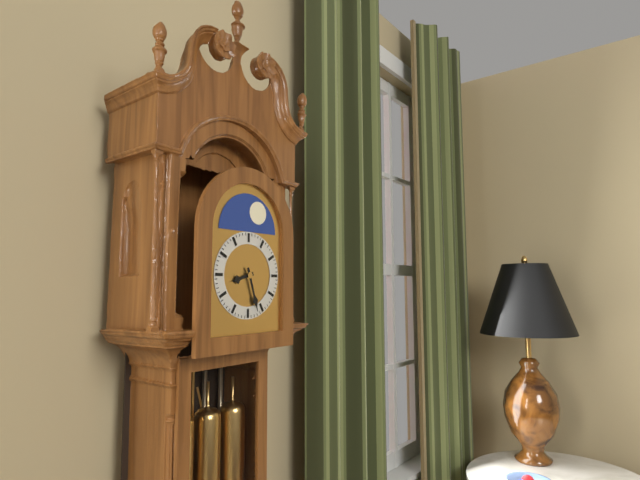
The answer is 8 h 27 min
